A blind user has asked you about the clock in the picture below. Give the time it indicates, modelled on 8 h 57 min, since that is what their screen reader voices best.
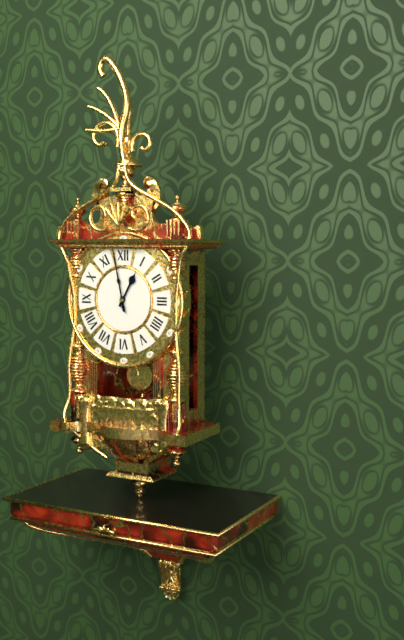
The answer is 12 h 58 min
